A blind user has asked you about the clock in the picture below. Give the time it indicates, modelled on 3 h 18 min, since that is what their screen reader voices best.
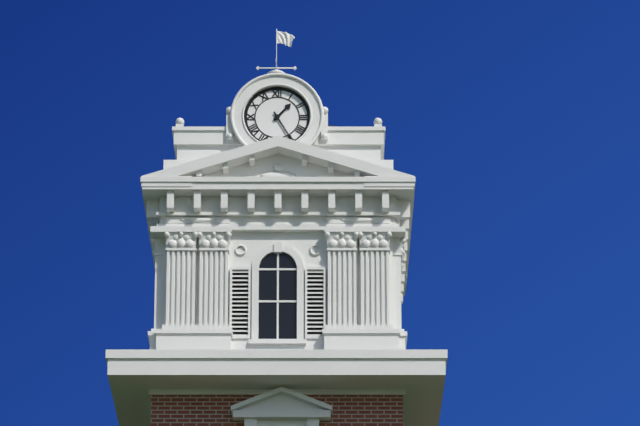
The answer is 1 h 25 min
